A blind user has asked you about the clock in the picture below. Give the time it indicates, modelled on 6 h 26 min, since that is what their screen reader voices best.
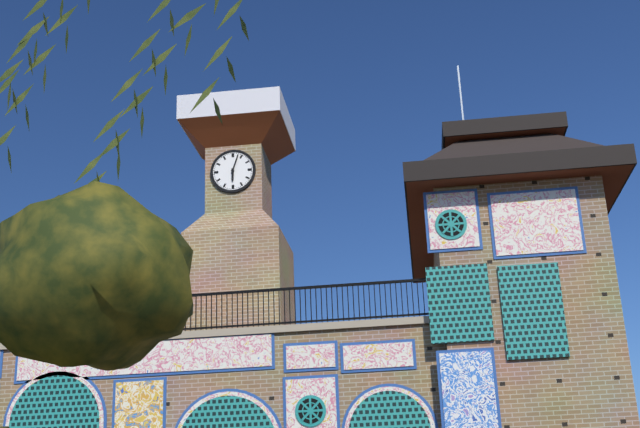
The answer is 6 h 03 min
